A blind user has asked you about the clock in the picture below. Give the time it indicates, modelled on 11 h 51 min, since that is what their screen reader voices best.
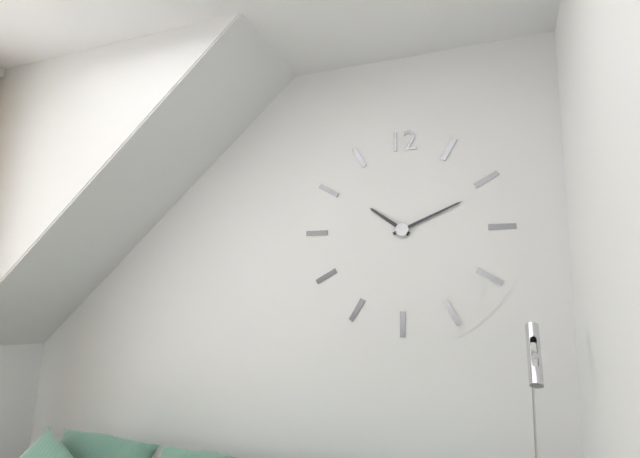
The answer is 10 h 11 min
